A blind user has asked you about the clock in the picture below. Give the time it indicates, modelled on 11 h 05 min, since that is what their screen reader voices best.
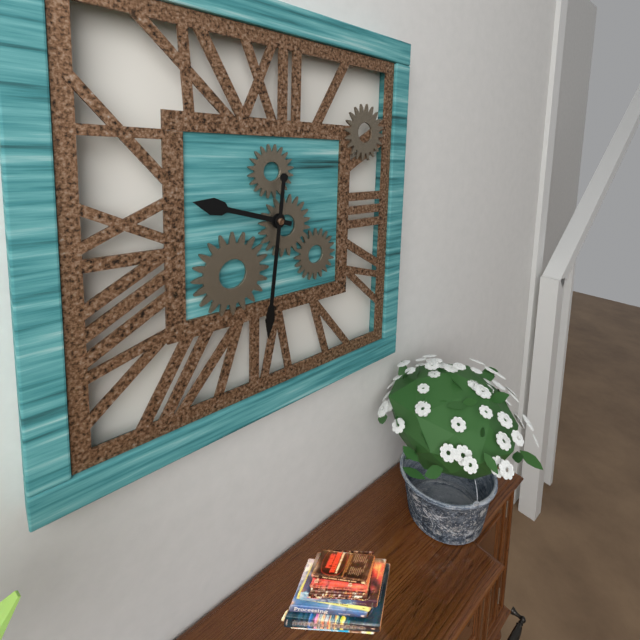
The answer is 9 h 31 min
